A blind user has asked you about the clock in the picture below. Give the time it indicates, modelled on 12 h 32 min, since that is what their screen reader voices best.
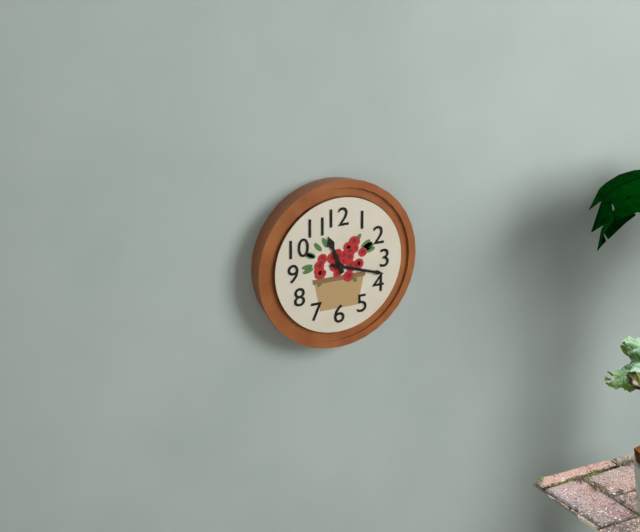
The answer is 11 h 18 min
